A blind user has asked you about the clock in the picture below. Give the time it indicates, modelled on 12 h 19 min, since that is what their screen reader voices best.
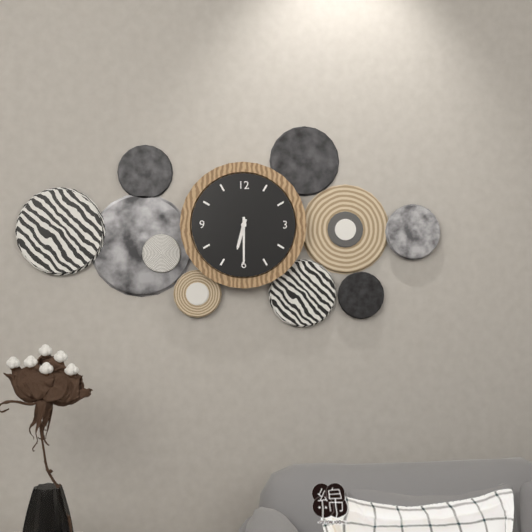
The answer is 6 h 30 min
